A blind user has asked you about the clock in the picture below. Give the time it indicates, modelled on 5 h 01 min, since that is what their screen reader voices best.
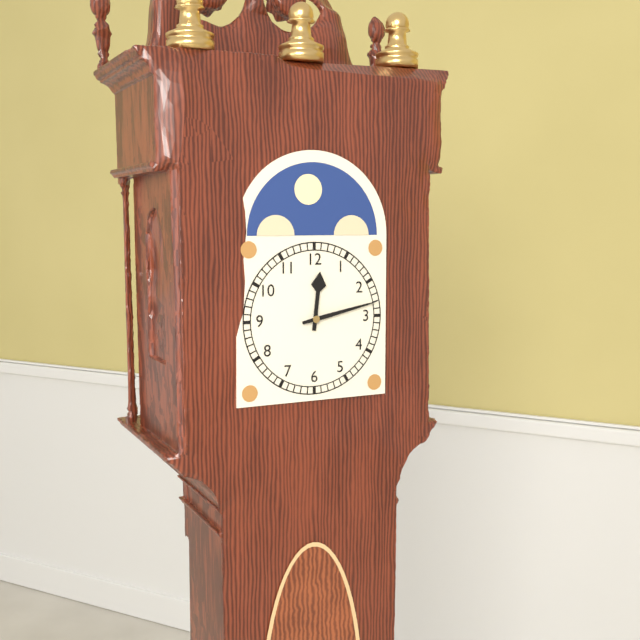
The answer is 12 h 13 min
